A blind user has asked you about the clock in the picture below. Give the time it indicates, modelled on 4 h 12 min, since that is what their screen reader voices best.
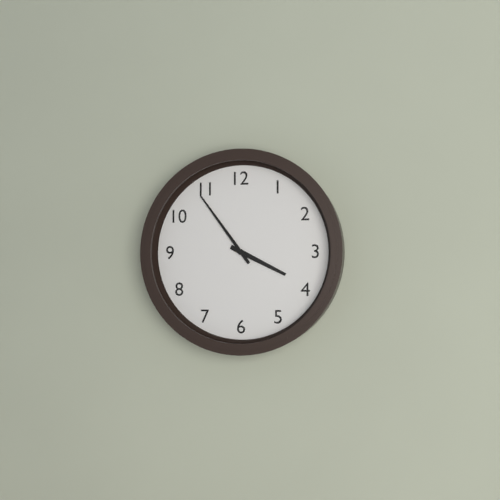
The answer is 3 h 54 min
